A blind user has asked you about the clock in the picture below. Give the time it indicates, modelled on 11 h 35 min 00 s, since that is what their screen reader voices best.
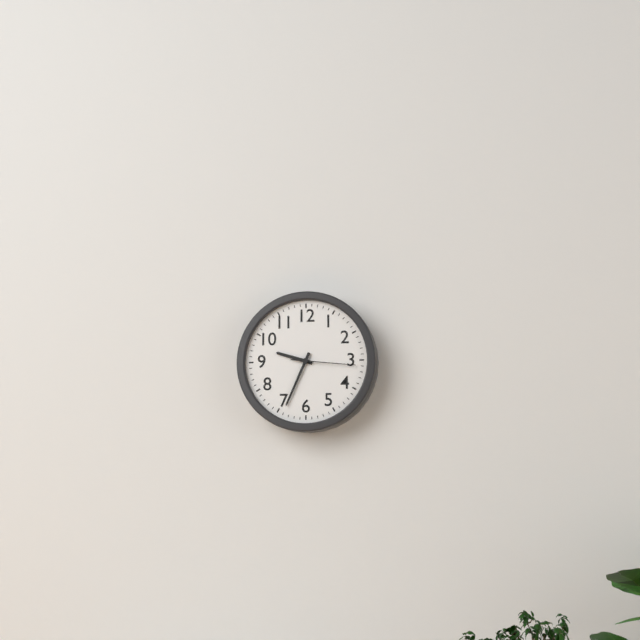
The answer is 9 h 34 min 16 s
